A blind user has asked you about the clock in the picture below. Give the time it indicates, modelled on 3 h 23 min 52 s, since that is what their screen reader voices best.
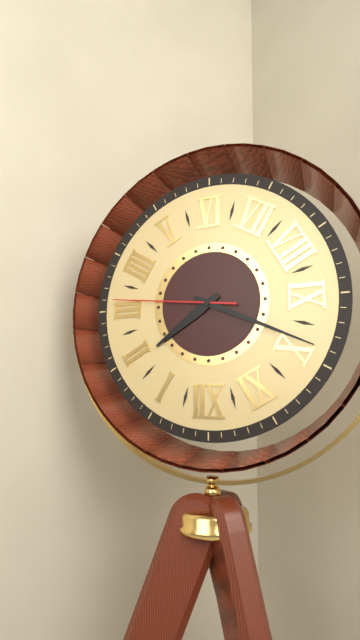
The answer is 1 h 49 min 16 s
